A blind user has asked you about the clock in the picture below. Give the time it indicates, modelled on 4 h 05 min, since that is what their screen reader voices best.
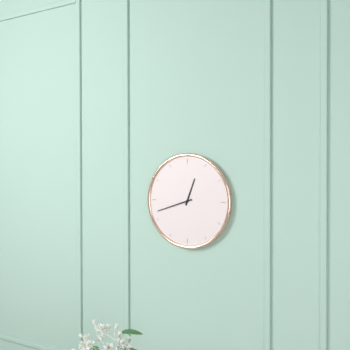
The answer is 12 h 42 min
